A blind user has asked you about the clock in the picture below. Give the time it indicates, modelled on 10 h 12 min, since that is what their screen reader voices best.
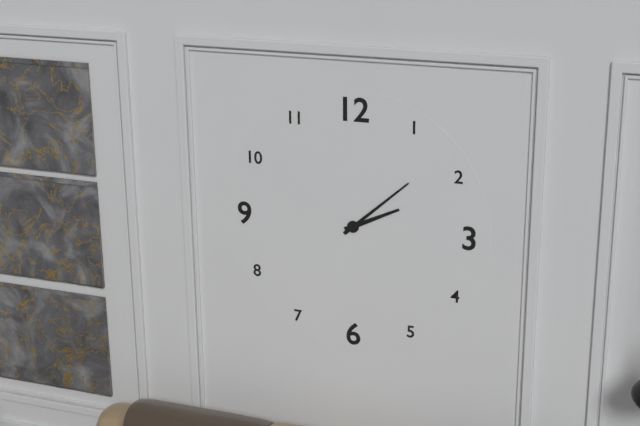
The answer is 2 h 08 min
